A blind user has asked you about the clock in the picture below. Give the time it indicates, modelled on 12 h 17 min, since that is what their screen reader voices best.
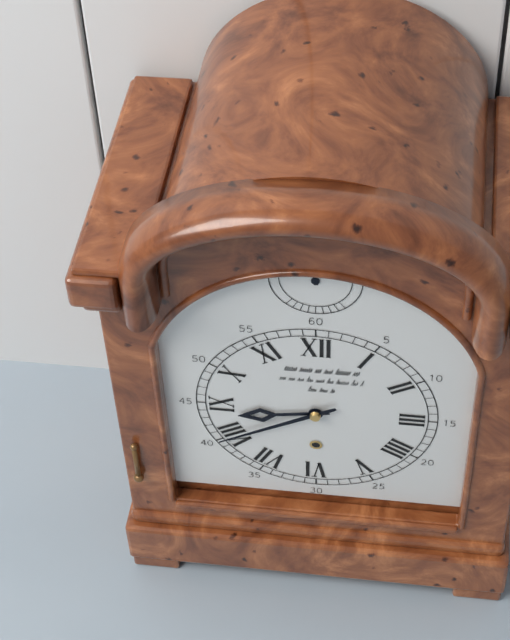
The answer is 8 h 40 min
